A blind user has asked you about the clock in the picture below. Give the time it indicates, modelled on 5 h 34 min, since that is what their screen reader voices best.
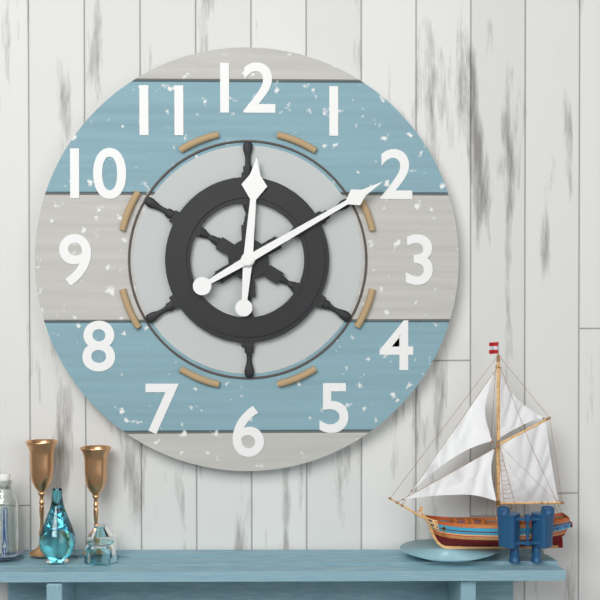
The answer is 12 h 10 min
